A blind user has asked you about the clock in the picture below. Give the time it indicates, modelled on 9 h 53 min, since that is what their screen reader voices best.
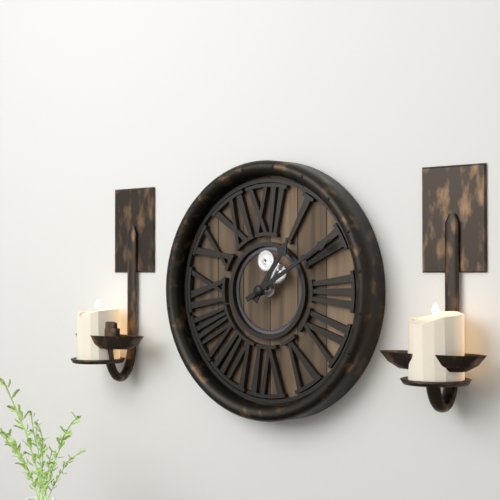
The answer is 1 h 10 min
